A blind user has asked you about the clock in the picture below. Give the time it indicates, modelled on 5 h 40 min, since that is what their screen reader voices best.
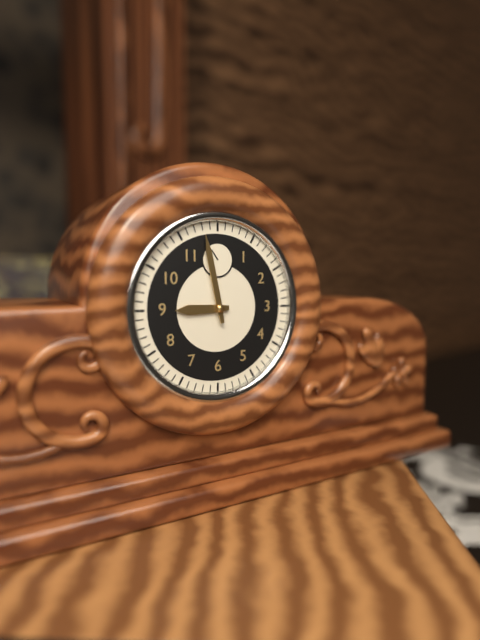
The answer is 8 h 58 min
